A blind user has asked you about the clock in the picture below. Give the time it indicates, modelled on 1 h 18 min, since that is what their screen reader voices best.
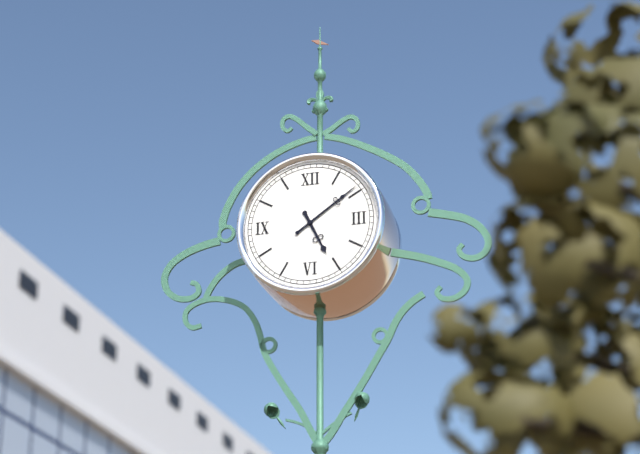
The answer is 5 h 09 min
